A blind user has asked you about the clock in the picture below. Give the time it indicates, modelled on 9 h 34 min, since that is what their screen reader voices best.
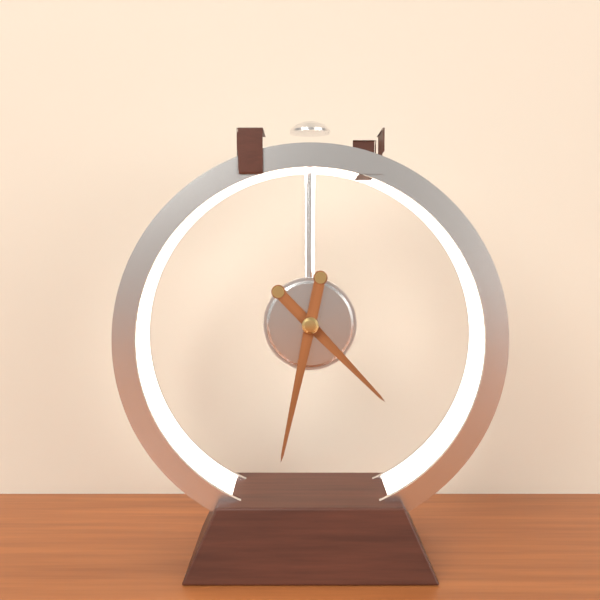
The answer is 4 h 32 min
